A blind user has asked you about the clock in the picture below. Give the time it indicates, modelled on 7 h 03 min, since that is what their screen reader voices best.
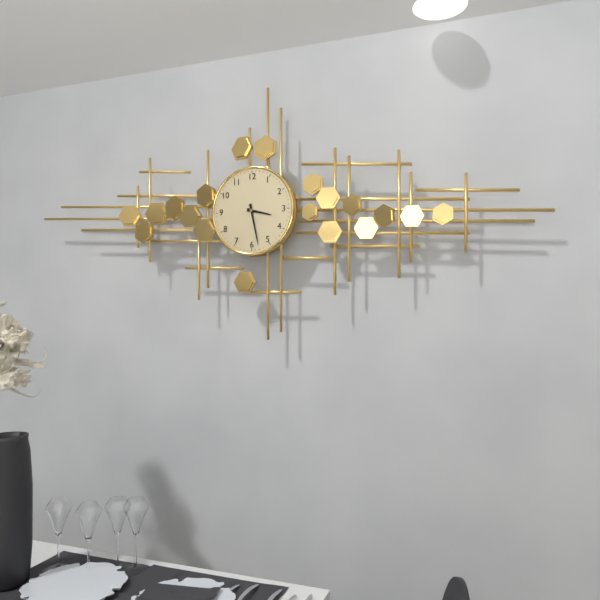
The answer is 3 h 28 min
